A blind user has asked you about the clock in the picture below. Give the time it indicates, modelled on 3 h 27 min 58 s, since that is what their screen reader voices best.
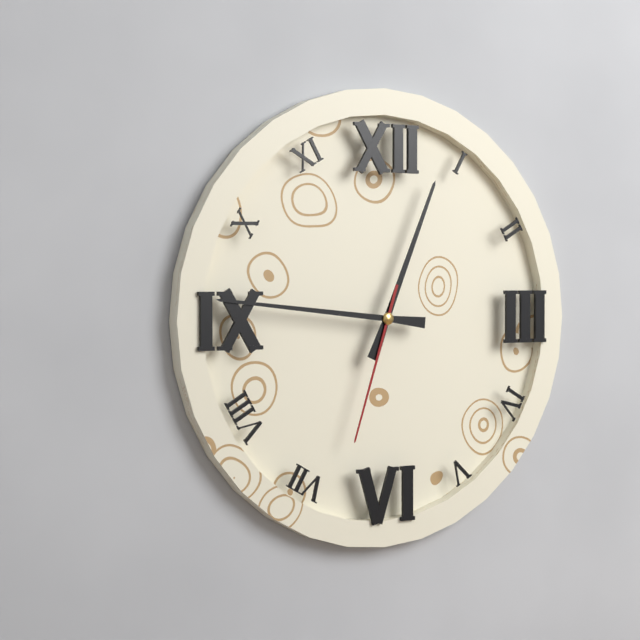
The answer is 12 h 46 min 33 s
